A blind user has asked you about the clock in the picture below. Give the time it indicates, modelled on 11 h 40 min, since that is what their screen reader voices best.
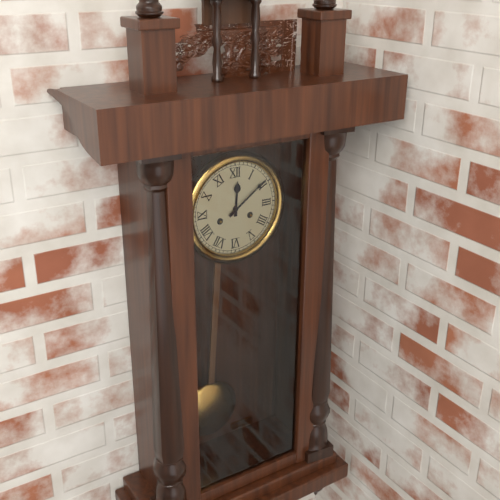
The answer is 12 h 09 min
